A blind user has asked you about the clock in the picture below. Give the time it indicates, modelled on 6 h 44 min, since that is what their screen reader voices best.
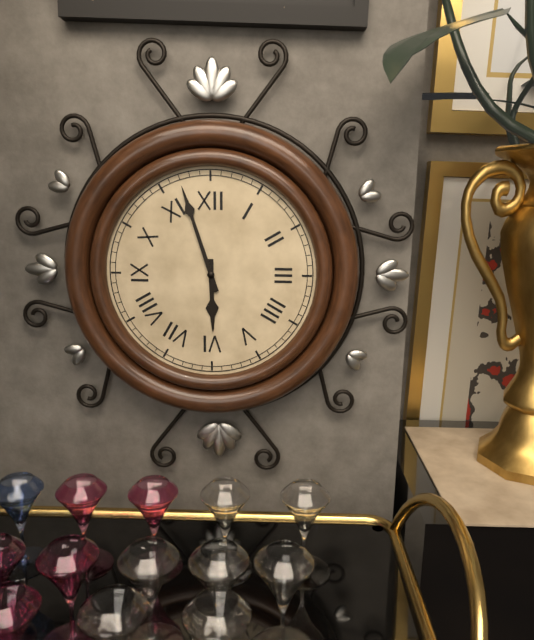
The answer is 5 h 57 min
